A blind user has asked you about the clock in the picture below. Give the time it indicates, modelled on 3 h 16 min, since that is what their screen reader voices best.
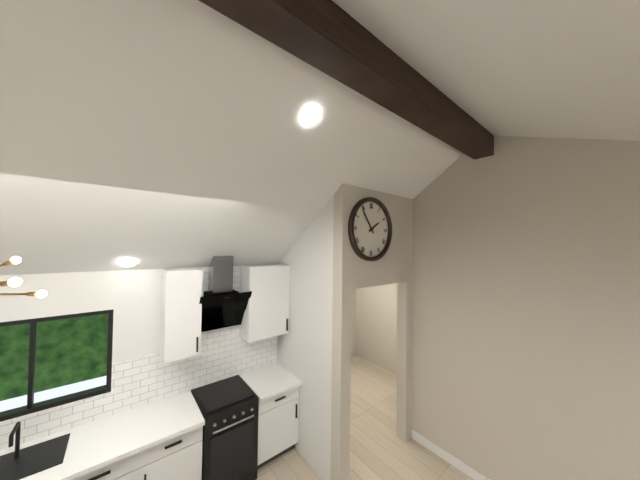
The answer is 1 h 54 min
